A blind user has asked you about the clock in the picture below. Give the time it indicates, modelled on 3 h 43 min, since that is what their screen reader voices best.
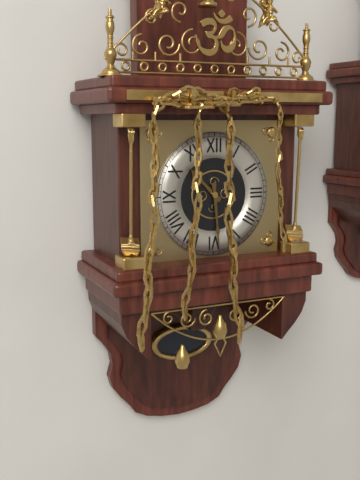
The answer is 10 h 29 min
